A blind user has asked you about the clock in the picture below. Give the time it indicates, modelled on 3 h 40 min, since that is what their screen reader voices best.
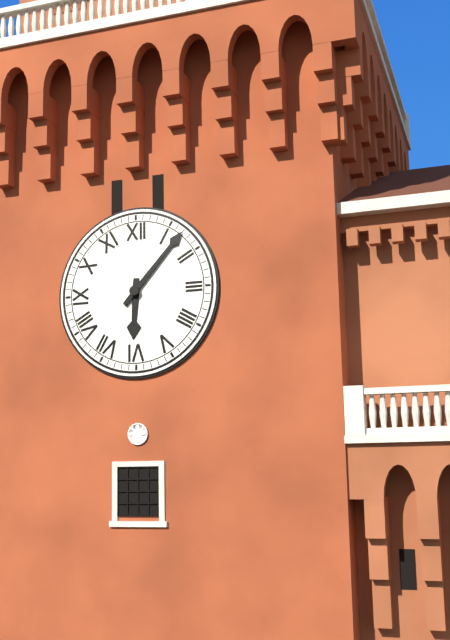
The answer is 6 h 07 min
